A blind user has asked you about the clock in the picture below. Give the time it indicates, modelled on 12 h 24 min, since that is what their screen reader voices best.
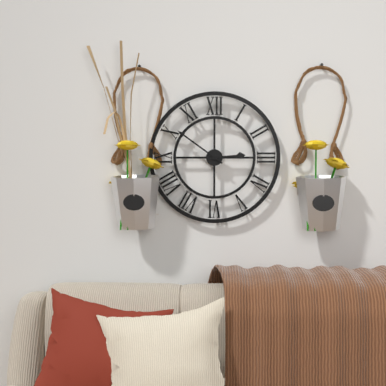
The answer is 2 h 51 min
